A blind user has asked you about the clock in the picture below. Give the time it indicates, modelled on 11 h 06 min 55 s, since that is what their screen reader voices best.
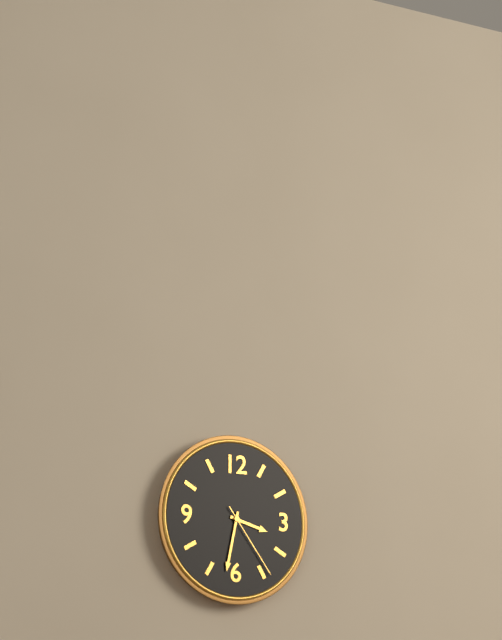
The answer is 3 h 32 min 24 s
